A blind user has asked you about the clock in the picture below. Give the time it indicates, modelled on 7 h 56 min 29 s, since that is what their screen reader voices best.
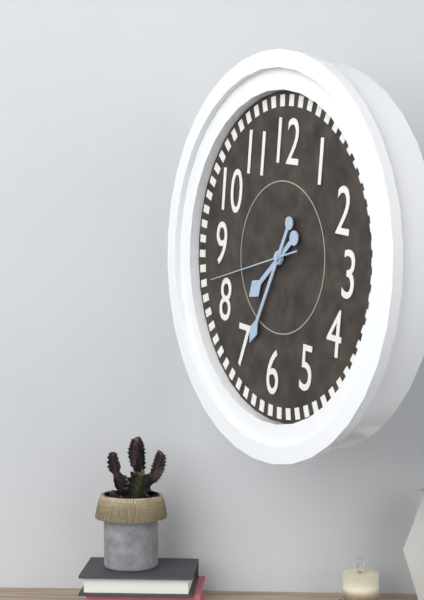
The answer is 7 h 34 min 42 s
